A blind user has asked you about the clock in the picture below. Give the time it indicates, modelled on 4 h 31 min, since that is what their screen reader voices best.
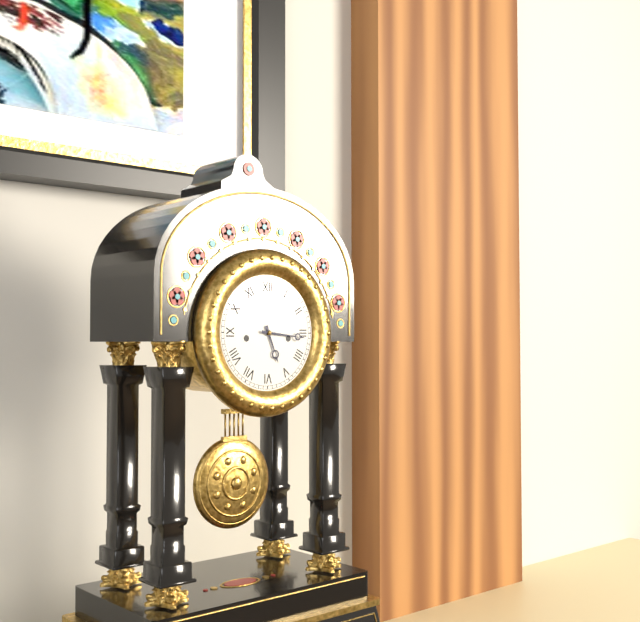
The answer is 5 h 16 min
